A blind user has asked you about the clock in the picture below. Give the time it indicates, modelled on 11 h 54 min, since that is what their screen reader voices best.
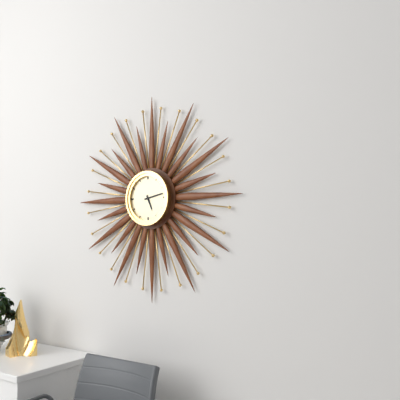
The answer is 5 h 13 min
